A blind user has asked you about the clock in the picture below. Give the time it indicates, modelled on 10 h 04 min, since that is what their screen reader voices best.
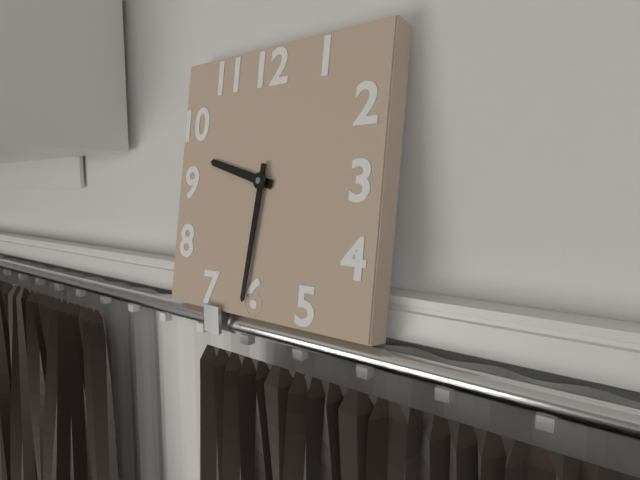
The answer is 9 h 31 min
